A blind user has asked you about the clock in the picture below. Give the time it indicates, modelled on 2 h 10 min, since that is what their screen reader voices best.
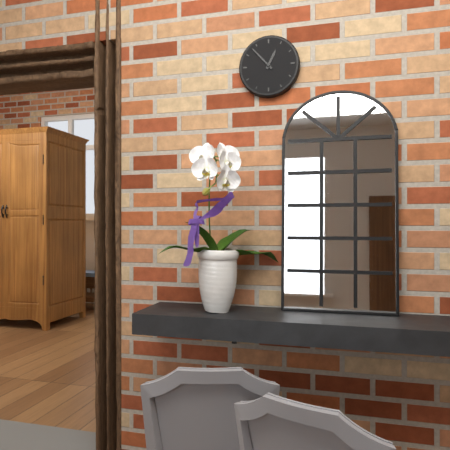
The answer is 12 h 53 min
